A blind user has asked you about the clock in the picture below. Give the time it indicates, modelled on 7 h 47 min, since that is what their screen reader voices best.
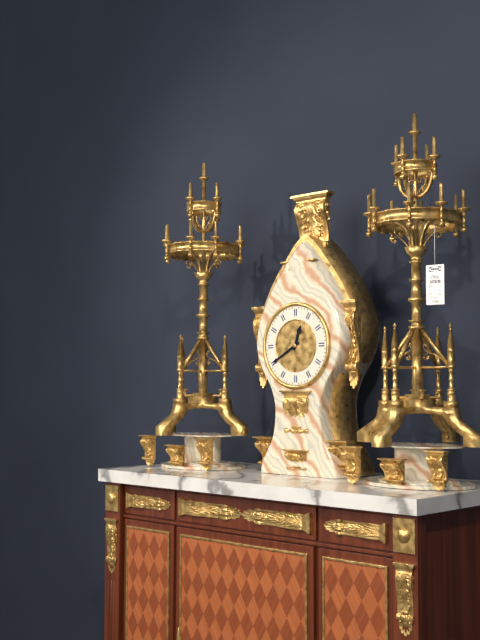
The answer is 12 h 40 min
